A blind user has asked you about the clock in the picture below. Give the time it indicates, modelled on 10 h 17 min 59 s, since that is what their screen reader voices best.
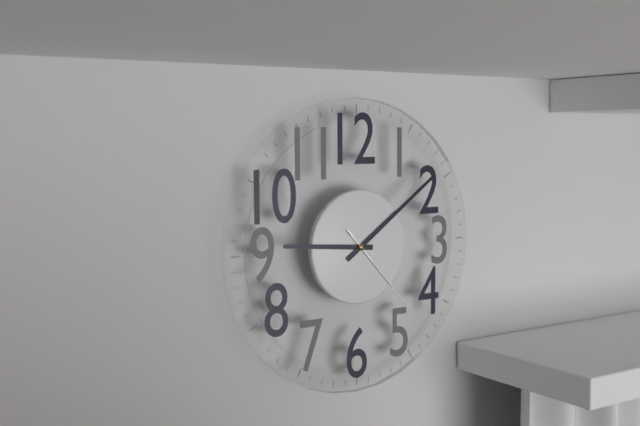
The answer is 9 h 09 min 23 s
